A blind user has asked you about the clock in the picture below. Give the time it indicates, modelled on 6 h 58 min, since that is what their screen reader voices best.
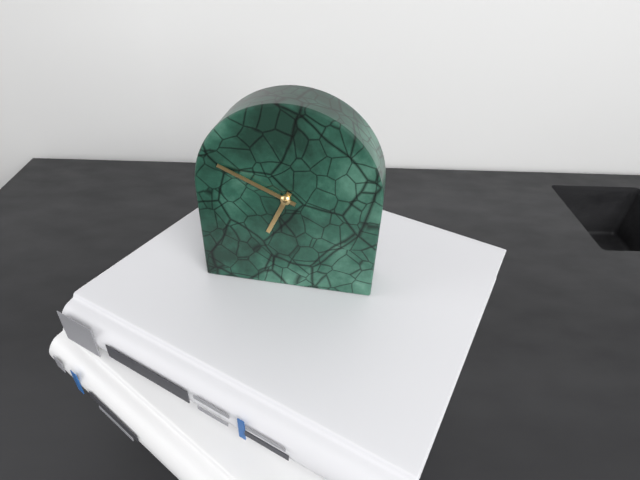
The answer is 6 h 49 min
